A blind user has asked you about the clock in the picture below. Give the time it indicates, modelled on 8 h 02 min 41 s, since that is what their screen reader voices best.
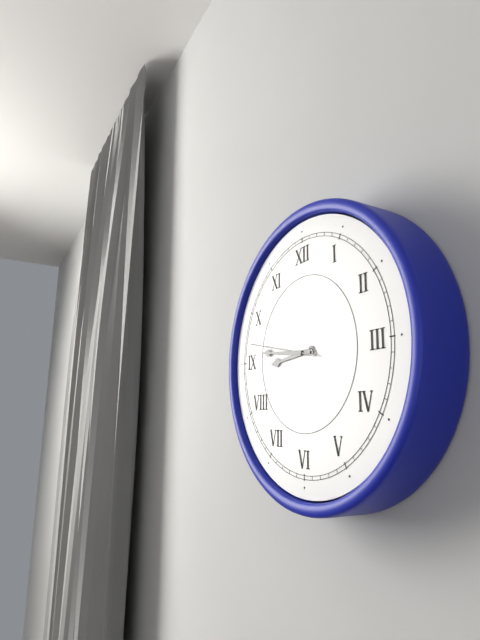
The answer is 8 h 46 min 47 s
